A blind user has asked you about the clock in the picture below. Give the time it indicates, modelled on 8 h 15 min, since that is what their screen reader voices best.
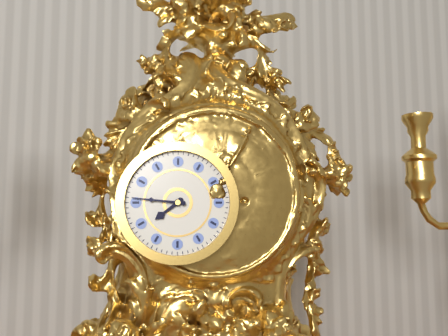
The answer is 7 h 46 min
